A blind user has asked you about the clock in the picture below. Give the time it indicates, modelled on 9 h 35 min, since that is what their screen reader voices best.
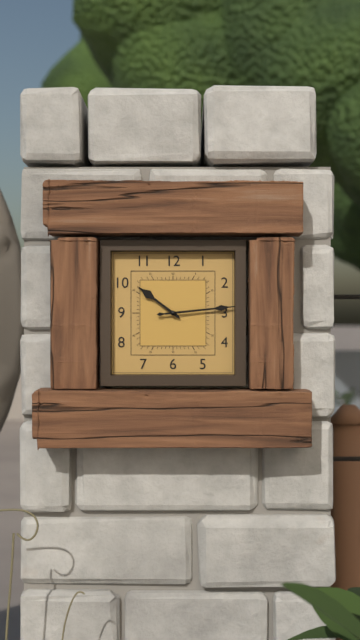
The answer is 10 h 14 min
